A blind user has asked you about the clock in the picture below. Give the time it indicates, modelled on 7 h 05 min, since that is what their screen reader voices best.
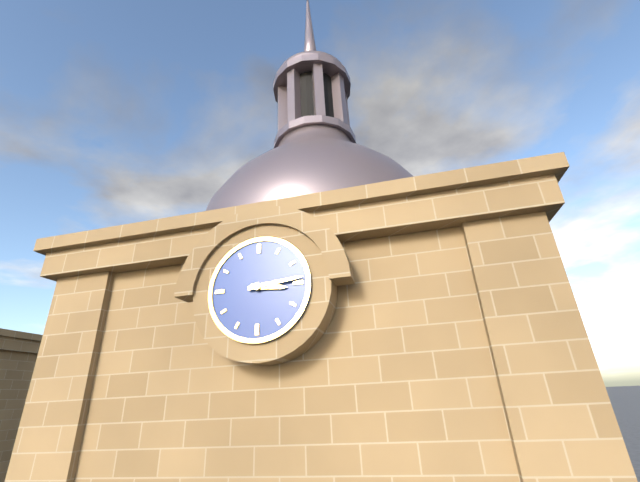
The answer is 3 h 14 min
